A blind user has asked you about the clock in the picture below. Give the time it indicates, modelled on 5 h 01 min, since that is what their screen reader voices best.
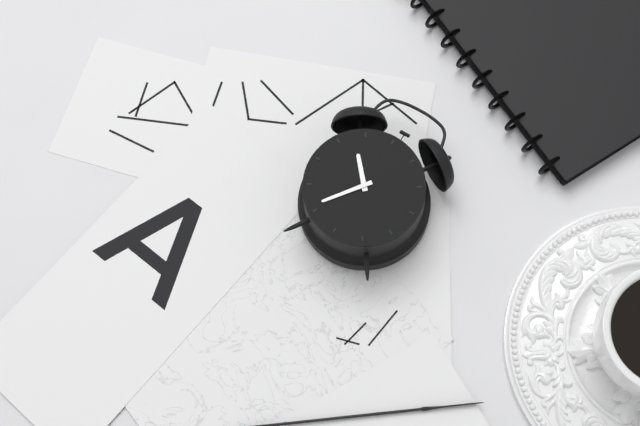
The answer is 10 h 36 min
